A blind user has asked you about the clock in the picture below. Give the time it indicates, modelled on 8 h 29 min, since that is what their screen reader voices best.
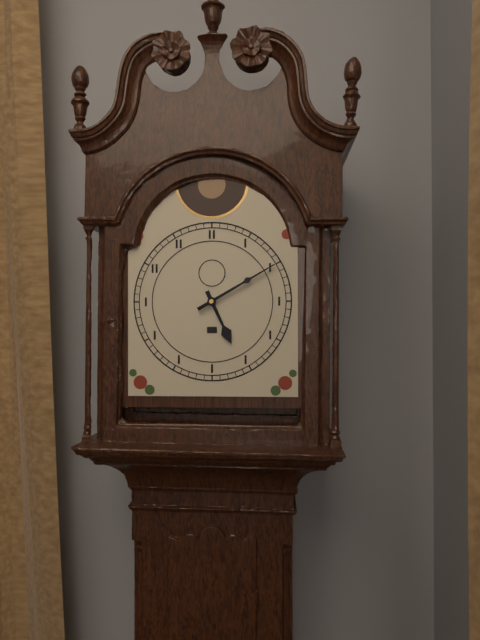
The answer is 5 h 10 min
